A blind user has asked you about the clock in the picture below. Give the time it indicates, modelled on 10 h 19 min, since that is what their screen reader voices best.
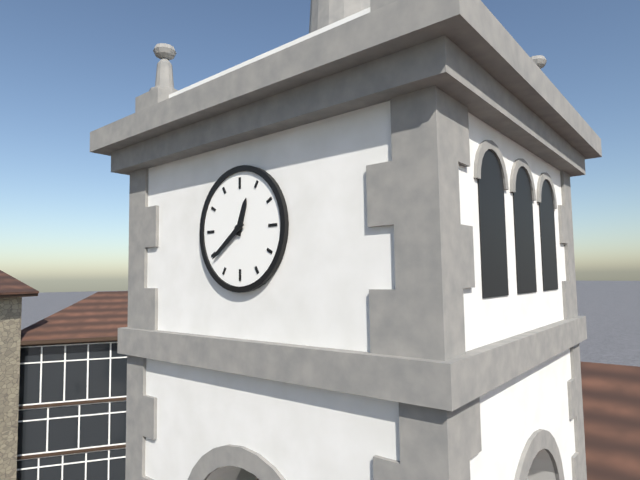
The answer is 12 h 39 min
